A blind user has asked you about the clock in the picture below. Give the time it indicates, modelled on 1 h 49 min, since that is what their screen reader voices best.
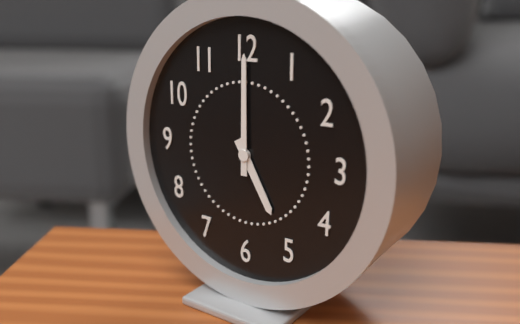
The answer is 5 h 00 min
